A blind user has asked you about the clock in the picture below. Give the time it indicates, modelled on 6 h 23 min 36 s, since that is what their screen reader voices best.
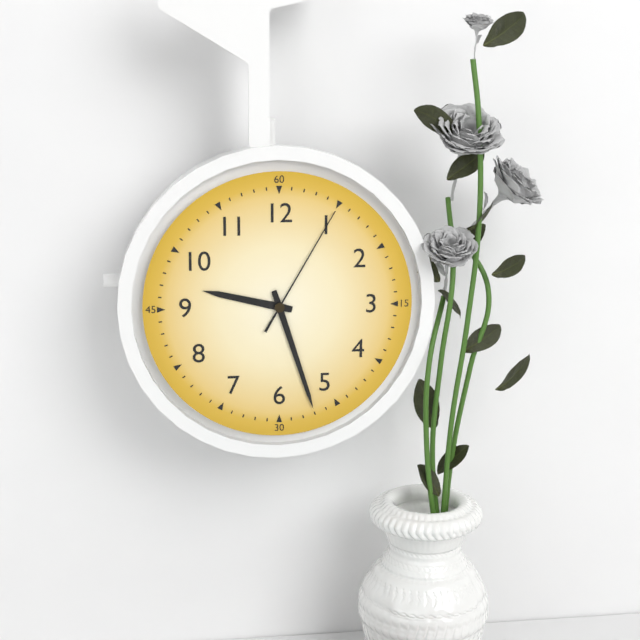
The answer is 9 h 27 min 05 s
